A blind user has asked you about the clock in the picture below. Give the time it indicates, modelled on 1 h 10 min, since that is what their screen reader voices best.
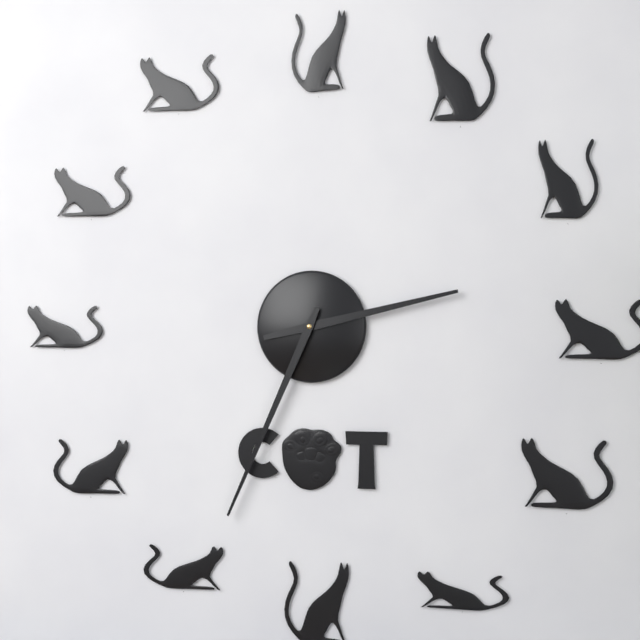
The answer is 2 h 34 min
